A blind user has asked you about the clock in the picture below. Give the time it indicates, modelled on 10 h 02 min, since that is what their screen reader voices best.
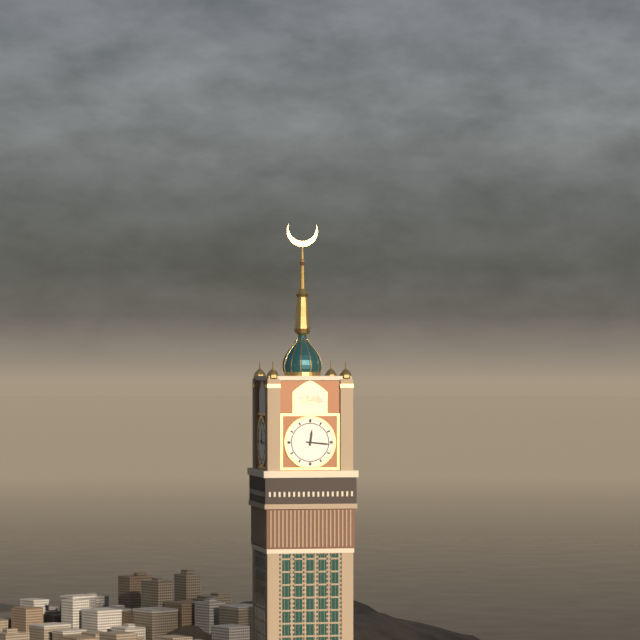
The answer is 12 h 16 min
